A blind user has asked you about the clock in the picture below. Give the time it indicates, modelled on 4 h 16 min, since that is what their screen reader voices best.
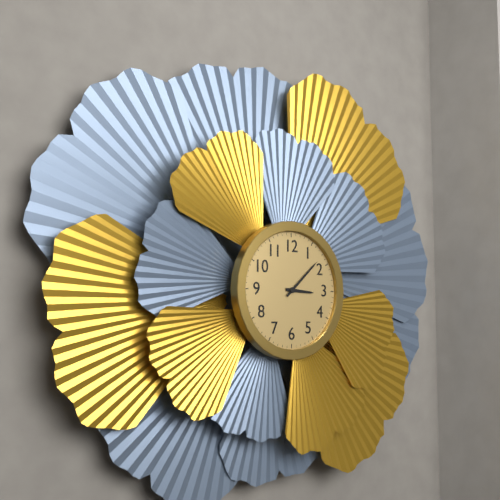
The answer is 3 h 08 min
